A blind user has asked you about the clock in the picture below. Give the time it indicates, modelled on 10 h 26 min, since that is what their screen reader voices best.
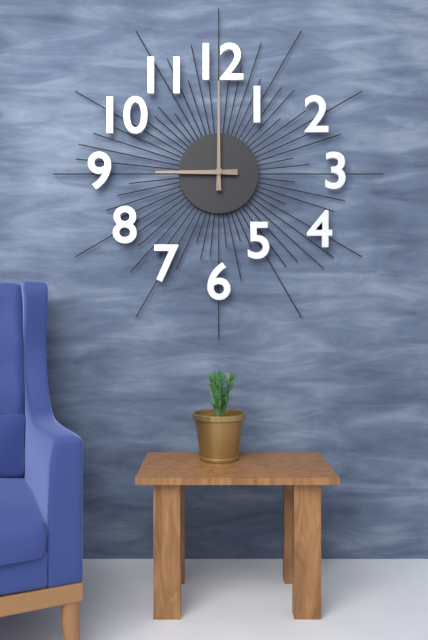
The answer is 9 h 00 min
